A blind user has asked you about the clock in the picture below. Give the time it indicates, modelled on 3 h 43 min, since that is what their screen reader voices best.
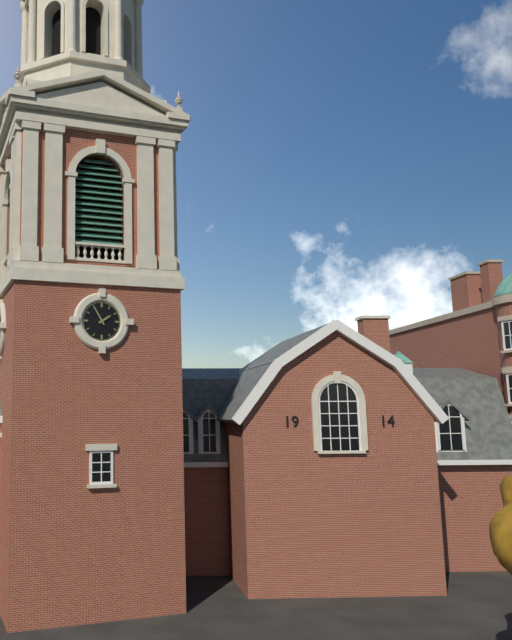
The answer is 1 h 55 min
